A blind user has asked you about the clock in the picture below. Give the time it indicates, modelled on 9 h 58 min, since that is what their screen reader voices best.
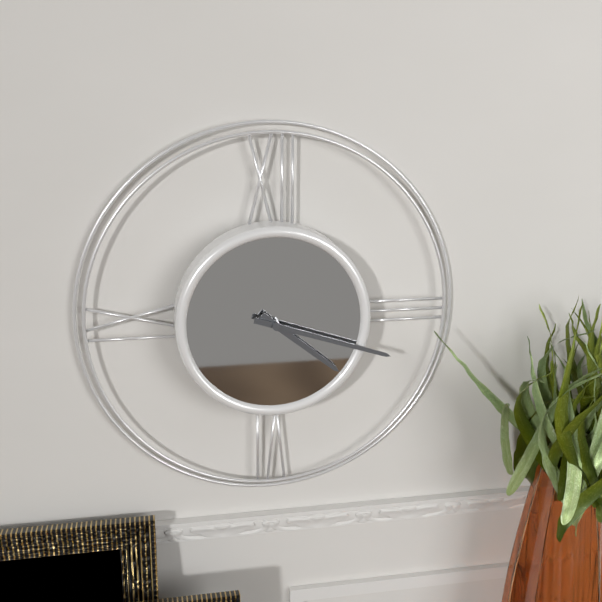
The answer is 4 h 18 min
